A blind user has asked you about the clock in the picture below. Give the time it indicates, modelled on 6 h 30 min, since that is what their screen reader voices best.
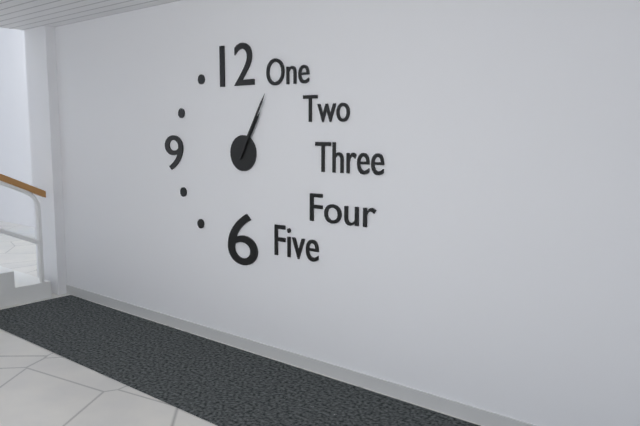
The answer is 1 h 05 min
